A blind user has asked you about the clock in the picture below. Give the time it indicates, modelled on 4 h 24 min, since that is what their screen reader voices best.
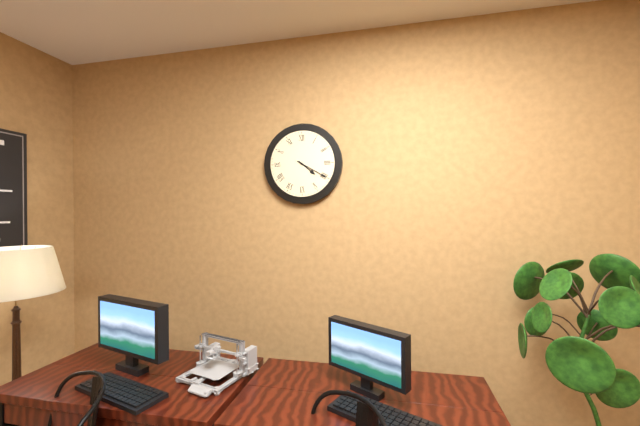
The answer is 4 h 20 min
